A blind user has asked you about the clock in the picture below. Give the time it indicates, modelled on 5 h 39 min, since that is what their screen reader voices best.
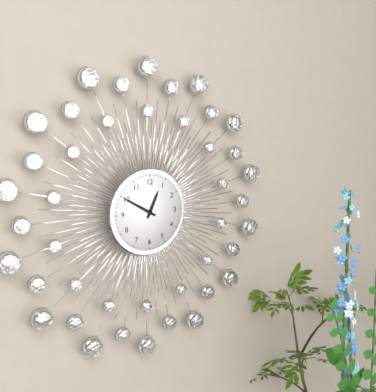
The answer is 12 h 50 min
